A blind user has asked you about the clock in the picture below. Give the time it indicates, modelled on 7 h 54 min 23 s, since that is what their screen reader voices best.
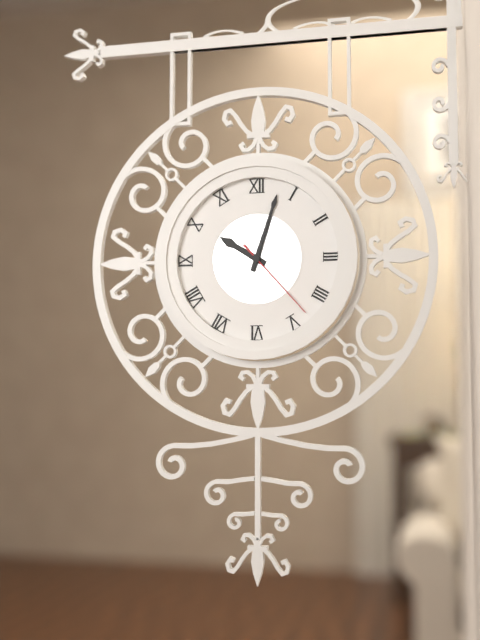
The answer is 10 h 03 min 23 s
